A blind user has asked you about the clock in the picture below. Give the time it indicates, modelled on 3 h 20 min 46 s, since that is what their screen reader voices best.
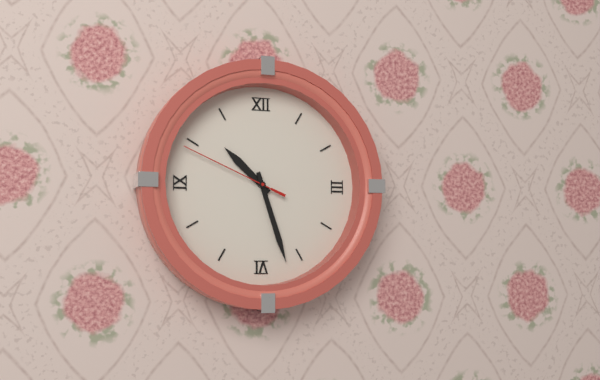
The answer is 10 h 27 min 49 s
